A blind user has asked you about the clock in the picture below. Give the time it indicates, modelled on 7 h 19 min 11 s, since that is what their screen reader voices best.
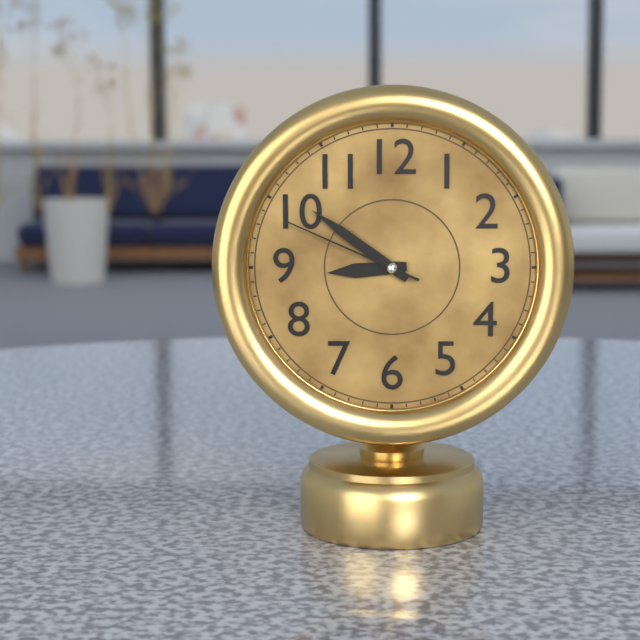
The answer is 8 h 51 min 49 s
